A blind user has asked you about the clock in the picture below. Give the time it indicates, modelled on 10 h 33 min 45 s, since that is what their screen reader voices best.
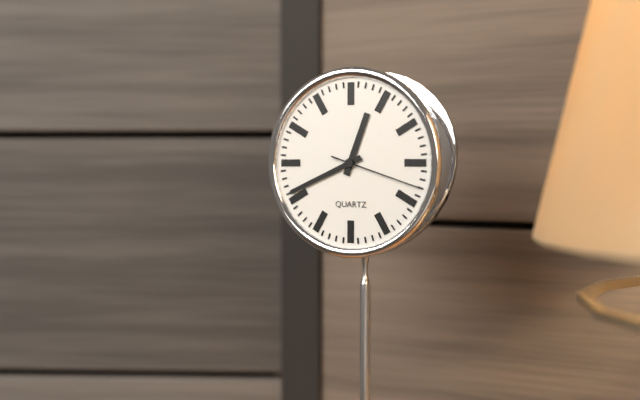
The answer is 12 h 41 min 18 s
